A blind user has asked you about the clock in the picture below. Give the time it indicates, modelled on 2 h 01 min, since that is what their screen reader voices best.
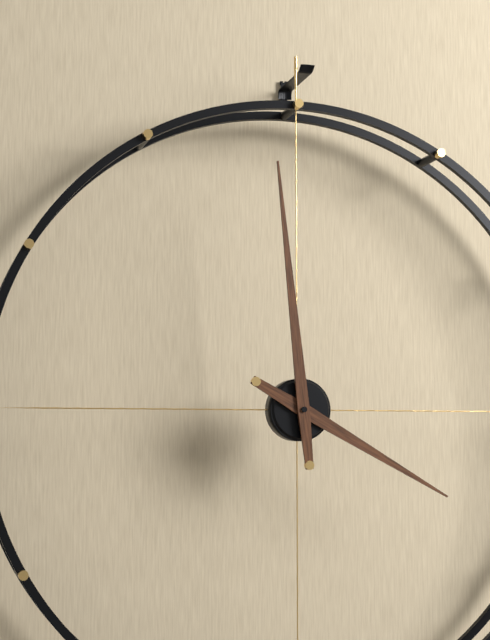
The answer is 3 h 59 min
